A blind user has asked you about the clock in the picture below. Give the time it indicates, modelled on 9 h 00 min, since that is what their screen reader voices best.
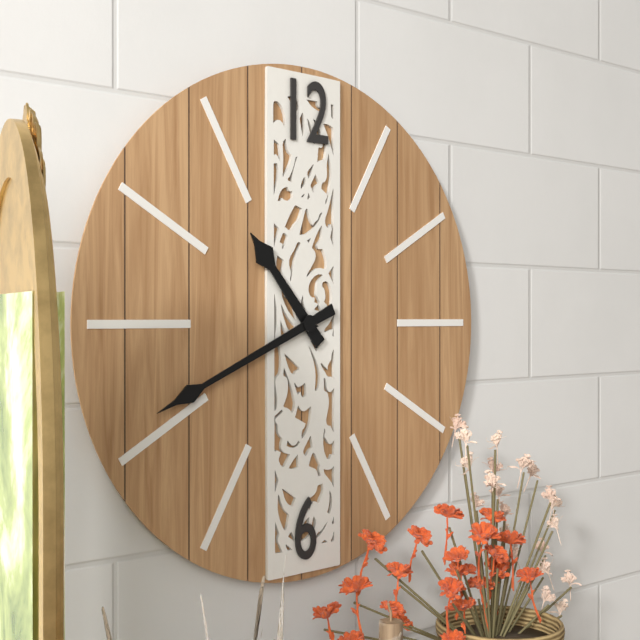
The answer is 10 h 41 min
